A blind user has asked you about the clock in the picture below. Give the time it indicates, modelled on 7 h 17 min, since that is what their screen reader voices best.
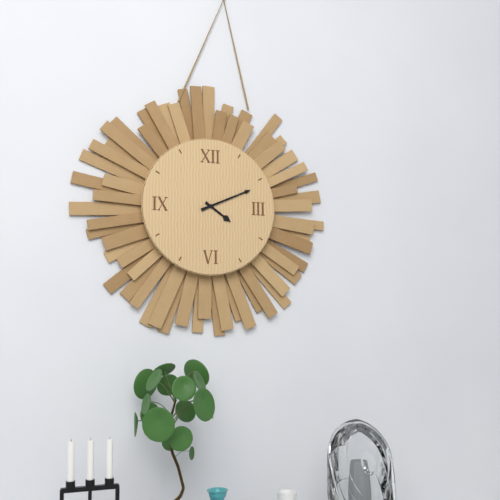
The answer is 4 h 11 min
